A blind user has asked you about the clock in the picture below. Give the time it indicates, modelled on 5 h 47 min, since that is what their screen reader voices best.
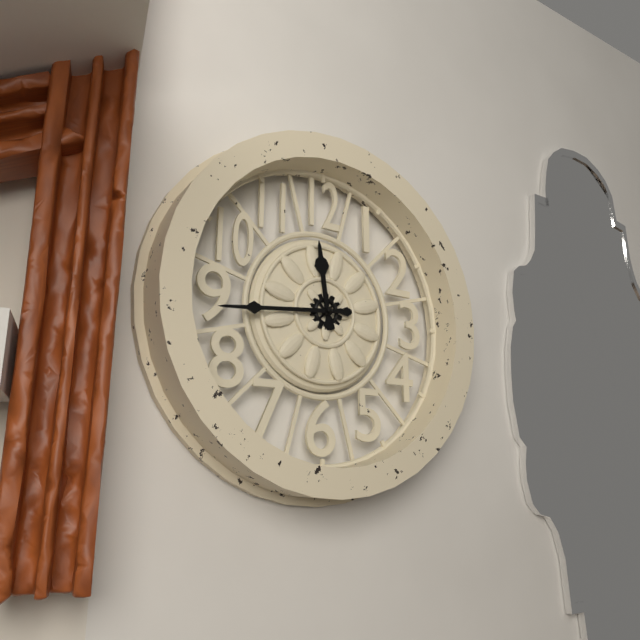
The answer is 11 h 44 min
